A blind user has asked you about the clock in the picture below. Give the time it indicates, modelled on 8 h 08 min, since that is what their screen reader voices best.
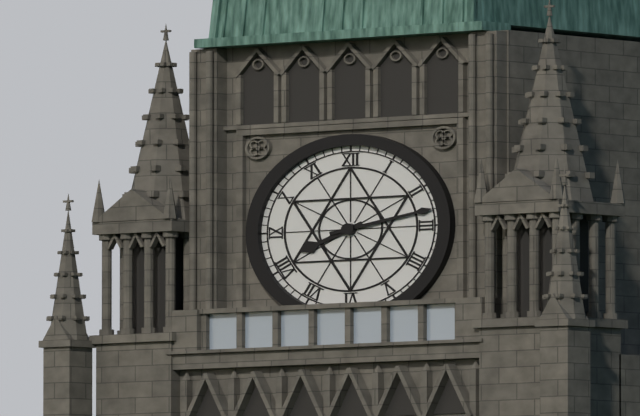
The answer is 8 h 13 min
